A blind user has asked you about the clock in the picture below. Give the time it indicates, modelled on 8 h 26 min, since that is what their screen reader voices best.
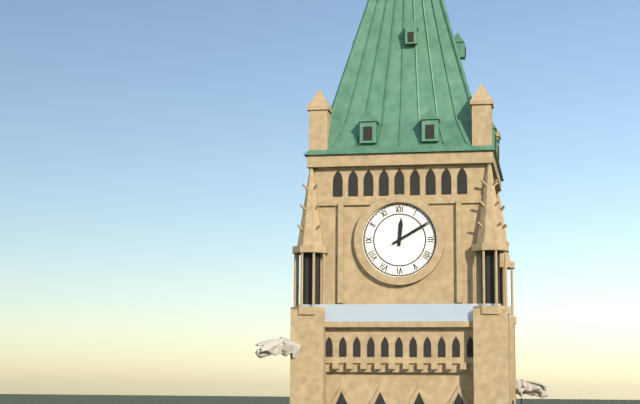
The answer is 12 h 10 min
